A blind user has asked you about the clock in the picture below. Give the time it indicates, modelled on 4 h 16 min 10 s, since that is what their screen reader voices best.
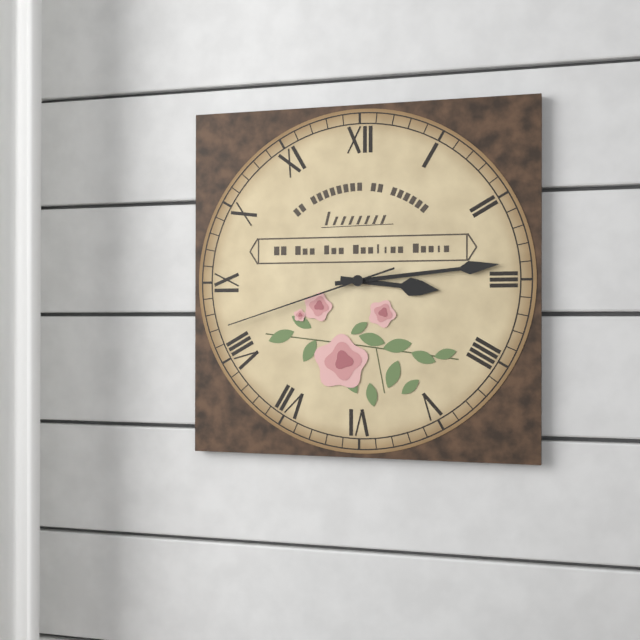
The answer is 3 h 14 min 42 s
